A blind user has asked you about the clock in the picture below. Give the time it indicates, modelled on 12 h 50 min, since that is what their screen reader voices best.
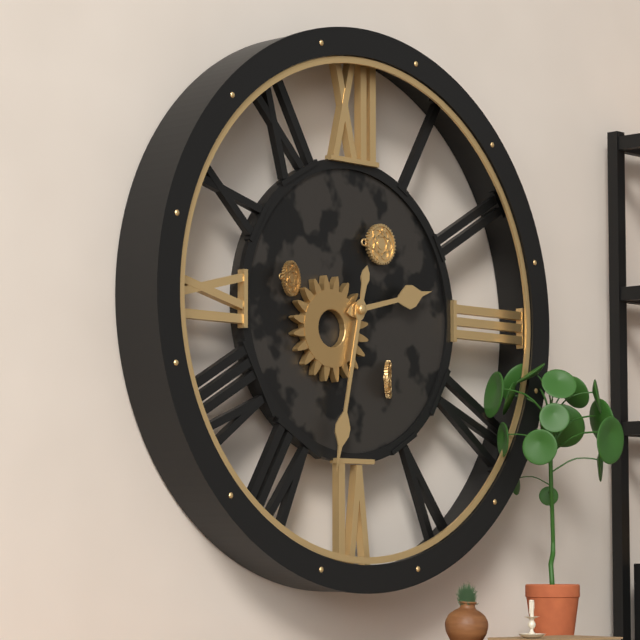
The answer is 2 h 32 min
